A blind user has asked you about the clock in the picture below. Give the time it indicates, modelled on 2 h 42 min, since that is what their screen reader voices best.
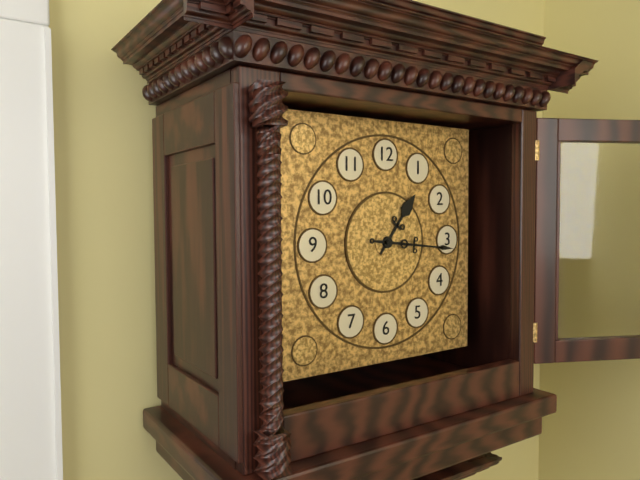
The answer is 1 h 16 min
